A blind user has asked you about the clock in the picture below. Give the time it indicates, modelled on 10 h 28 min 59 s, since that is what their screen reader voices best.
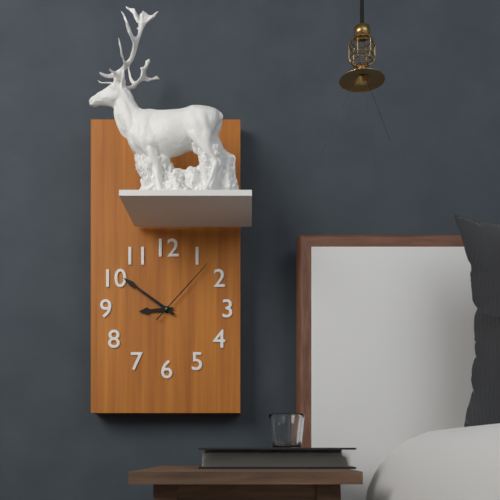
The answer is 8 h 51 min 07 s
